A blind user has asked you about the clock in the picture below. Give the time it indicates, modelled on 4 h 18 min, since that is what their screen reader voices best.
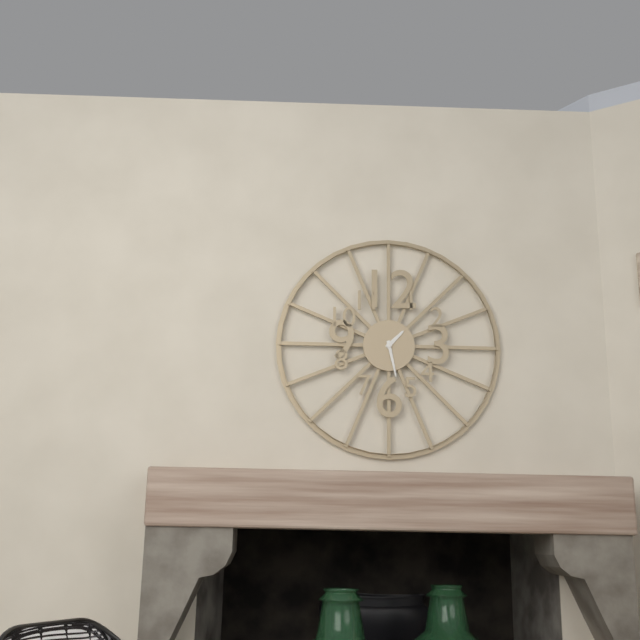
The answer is 1 h 28 min
